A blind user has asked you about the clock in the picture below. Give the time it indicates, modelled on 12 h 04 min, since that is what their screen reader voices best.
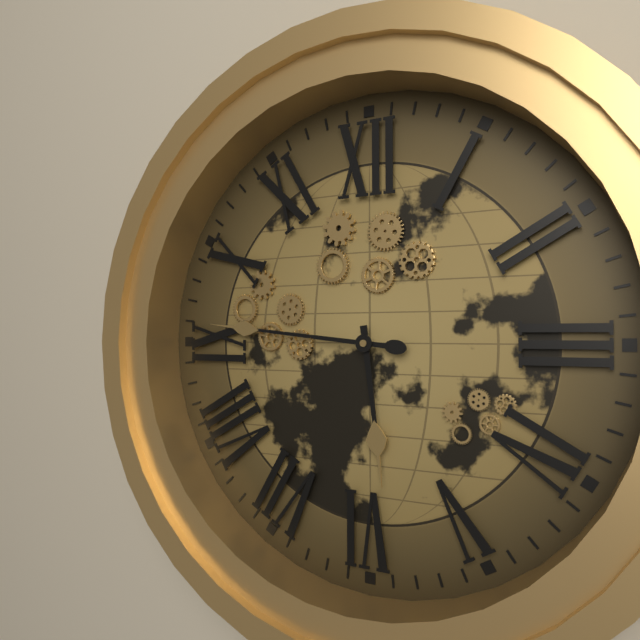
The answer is 5 h 46 min
